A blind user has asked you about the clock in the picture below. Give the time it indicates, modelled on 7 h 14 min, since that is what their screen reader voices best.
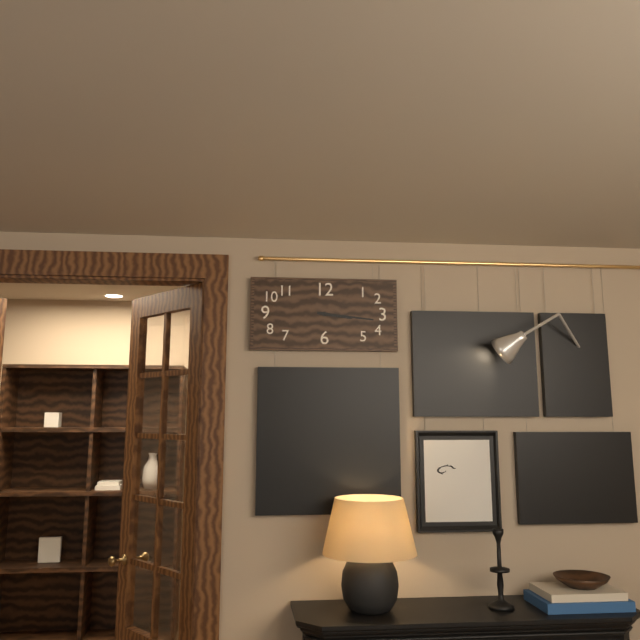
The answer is 3 h 16 min
